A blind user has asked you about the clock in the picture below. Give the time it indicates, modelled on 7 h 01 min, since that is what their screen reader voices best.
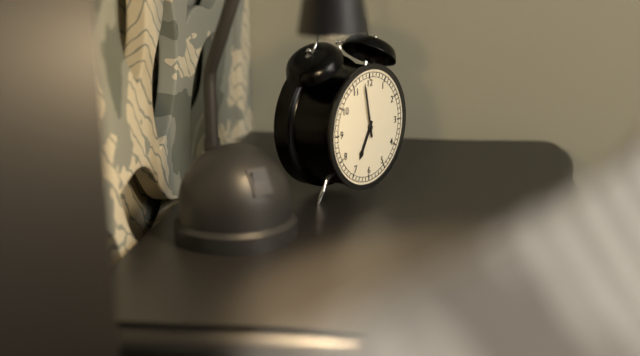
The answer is 6 h 58 min
